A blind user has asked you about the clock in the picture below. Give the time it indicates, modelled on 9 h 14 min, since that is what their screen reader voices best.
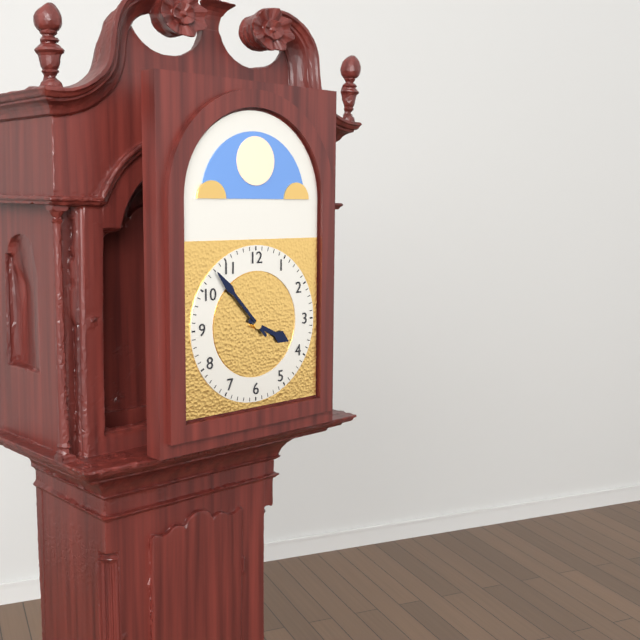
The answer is 3 h 53 min
